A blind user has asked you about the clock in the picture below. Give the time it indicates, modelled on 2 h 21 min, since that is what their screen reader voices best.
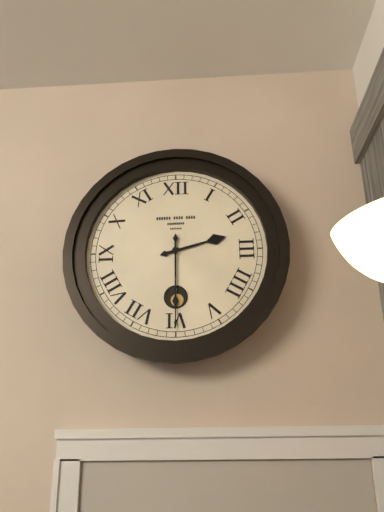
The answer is 2 h 30 min
